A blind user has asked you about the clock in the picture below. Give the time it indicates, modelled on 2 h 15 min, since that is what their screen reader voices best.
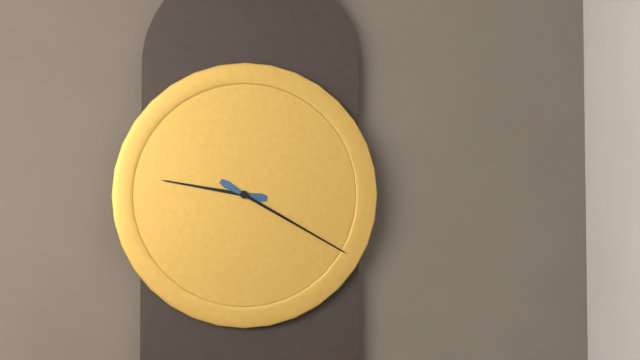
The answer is 9 h 20 min
